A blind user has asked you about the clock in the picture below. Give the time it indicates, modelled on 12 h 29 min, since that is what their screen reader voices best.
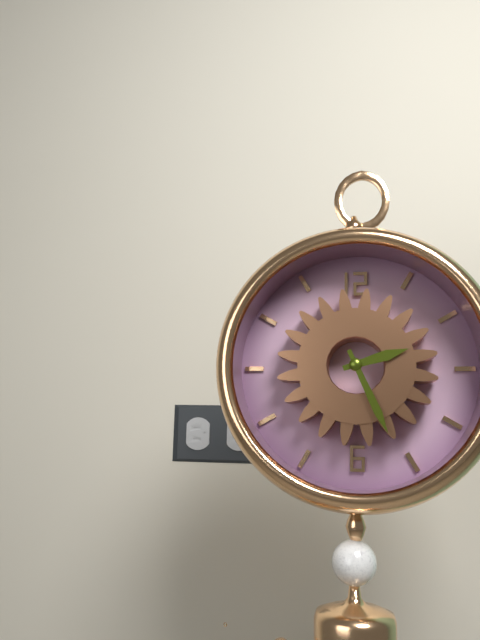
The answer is 2 h 26 min
